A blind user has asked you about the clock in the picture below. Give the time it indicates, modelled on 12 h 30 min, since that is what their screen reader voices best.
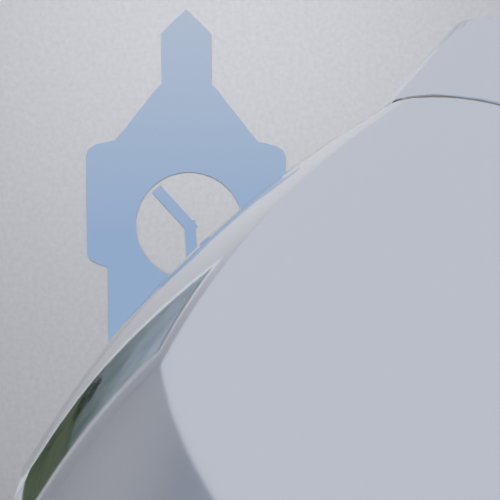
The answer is 5 h 53 min
